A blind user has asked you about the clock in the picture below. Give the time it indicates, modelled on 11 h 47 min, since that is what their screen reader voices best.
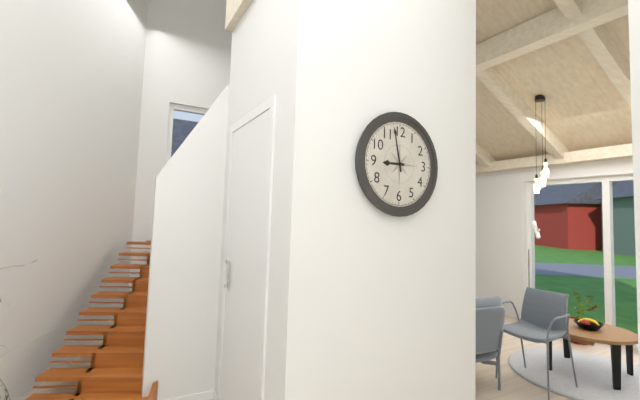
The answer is 8 h 58 min
